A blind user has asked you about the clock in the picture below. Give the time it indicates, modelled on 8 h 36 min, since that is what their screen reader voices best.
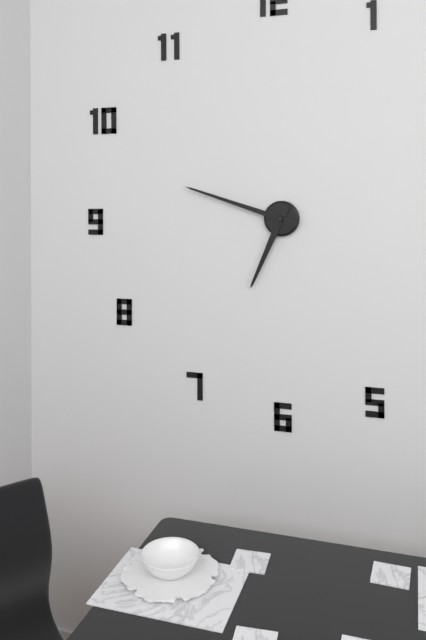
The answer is 6 h 48 min
